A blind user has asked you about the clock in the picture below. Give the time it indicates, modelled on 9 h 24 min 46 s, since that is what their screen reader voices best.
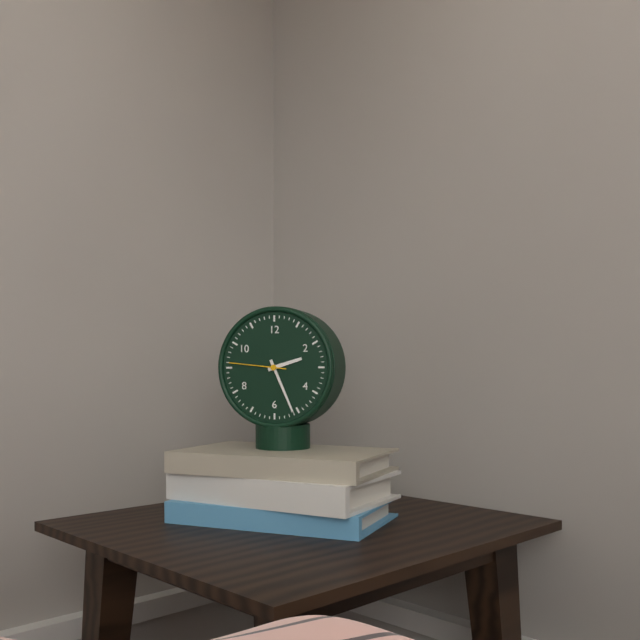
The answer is 2 h 26 min 46 s
